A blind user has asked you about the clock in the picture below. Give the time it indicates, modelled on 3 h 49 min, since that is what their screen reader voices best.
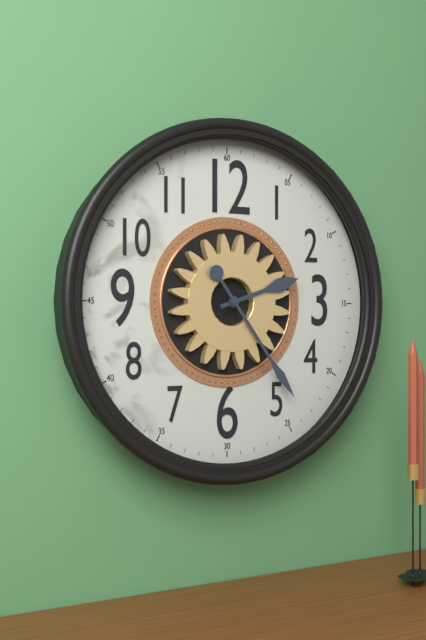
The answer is 2 h 24 min
